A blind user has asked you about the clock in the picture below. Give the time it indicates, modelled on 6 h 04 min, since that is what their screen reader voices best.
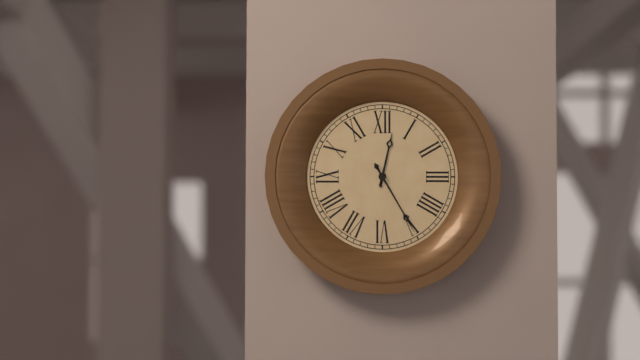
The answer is 12 h 25 min
